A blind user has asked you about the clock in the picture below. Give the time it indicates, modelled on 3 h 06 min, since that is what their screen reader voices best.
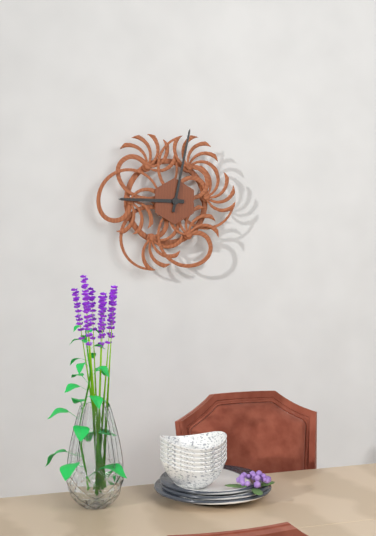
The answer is 9 h 02 min
